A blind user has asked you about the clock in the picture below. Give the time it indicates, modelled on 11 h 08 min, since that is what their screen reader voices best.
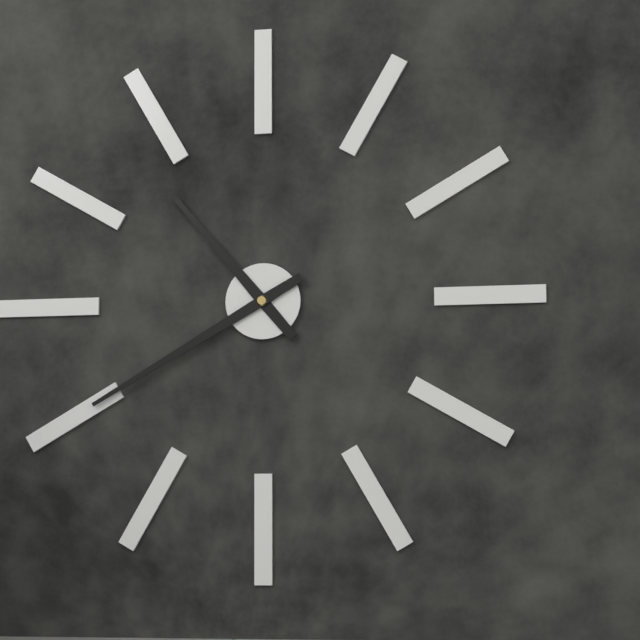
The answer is 10 h 40 min
